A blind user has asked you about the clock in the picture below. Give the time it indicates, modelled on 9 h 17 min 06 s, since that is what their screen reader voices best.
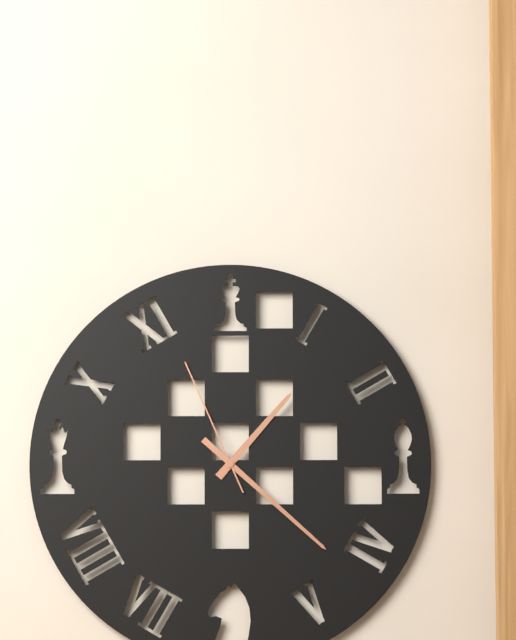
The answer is 1 h 22 min 56 s
